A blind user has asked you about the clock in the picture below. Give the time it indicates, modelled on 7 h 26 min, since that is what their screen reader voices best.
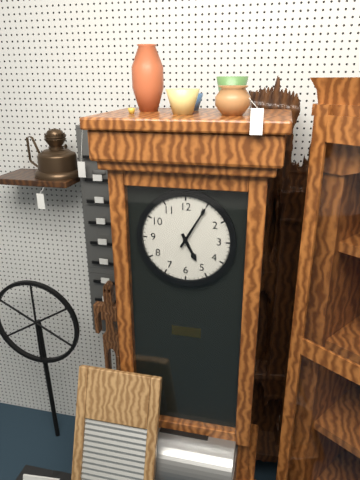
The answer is 5 h 05 min
